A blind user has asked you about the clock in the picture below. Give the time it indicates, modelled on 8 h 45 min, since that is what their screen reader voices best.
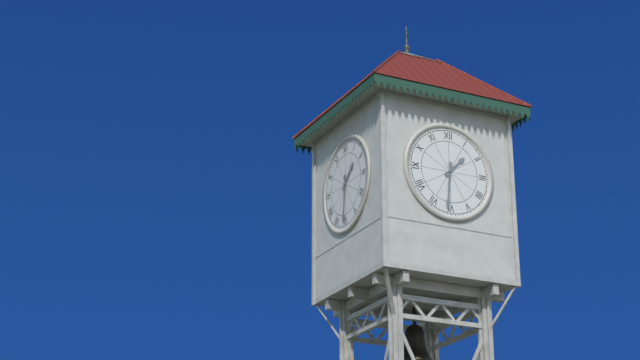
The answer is 1 h 31 min
